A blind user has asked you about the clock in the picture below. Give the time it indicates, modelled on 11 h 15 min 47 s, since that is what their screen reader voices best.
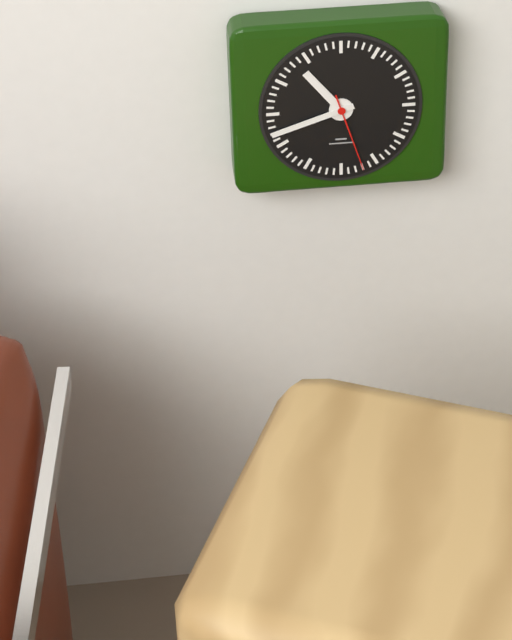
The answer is 10 h 42 min 27 s
